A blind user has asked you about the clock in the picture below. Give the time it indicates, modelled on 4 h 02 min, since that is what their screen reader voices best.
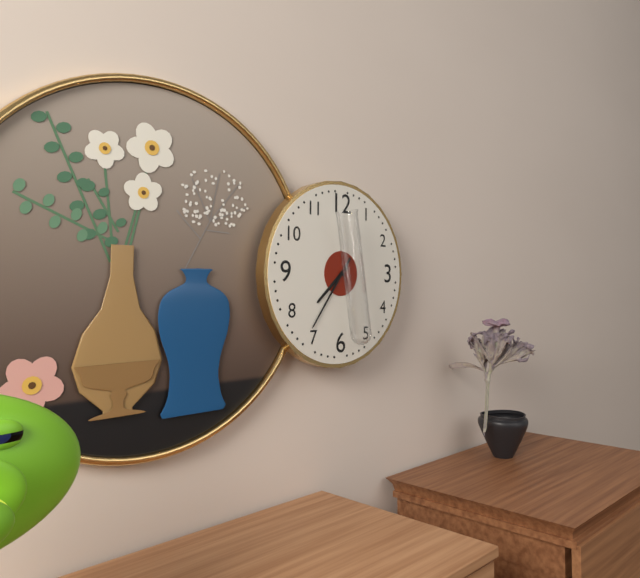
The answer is 7 h 36 min
